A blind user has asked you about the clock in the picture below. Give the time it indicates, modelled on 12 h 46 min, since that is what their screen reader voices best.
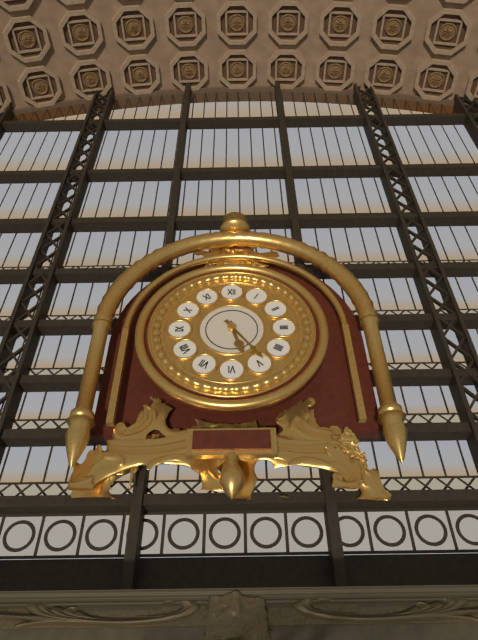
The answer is 5 h 24 min
